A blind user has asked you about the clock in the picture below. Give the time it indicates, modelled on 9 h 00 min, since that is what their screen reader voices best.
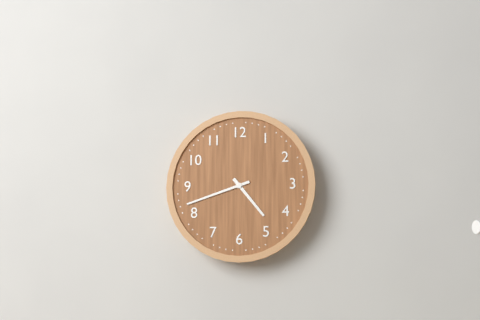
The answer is 4 h 42 min
